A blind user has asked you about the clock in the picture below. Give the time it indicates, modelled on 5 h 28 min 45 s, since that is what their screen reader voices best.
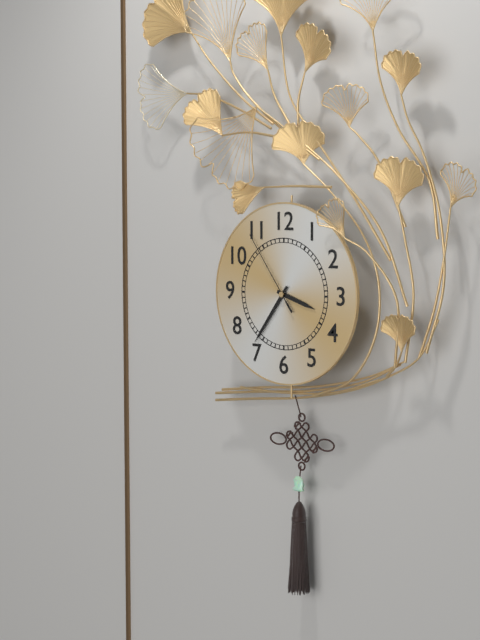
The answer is 3 h 36 min 54 s
